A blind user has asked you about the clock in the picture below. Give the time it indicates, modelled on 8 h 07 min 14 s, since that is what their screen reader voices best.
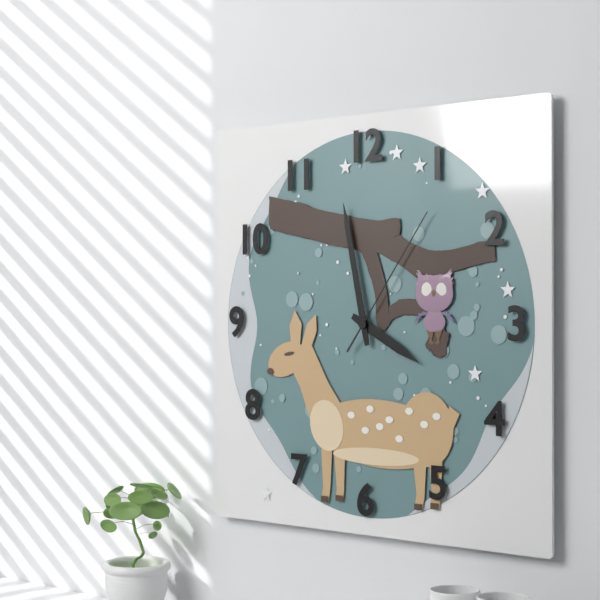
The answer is 3 h 58 min 06 s
